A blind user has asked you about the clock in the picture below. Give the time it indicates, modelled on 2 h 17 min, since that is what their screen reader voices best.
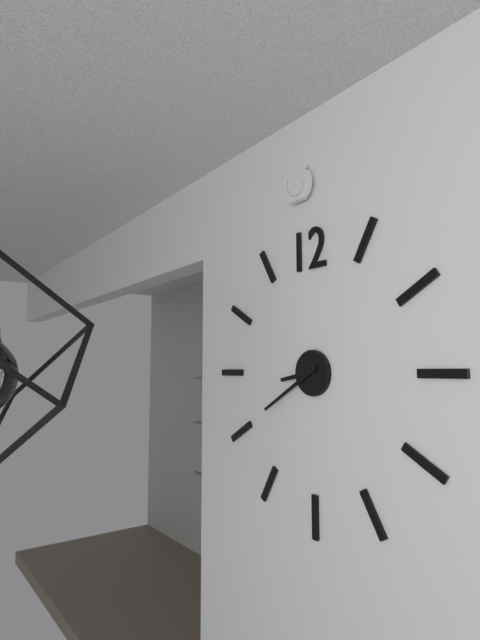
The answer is 8 h 40 min
